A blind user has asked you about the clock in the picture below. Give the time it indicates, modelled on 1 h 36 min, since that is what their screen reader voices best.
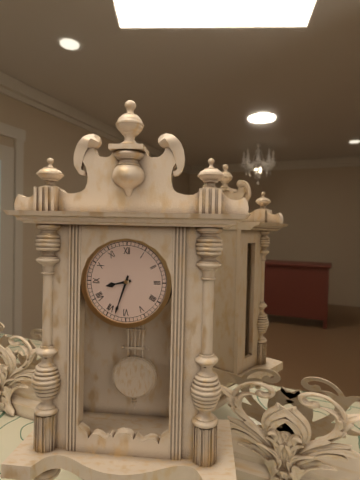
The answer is 8 h 33 min
